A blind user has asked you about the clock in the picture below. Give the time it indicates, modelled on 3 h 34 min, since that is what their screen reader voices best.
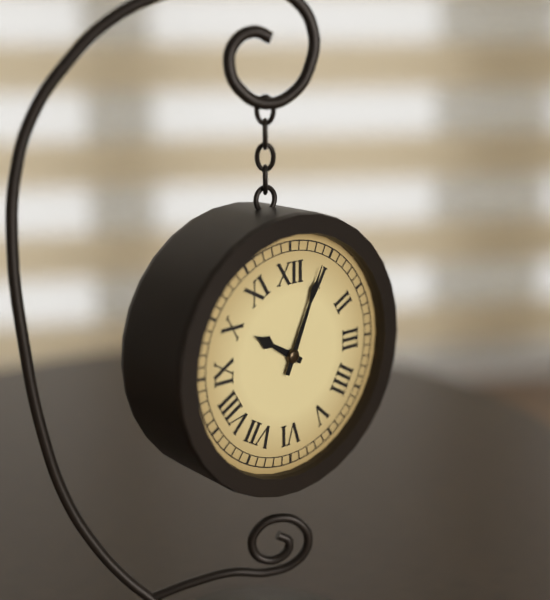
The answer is 10 h 04 min
